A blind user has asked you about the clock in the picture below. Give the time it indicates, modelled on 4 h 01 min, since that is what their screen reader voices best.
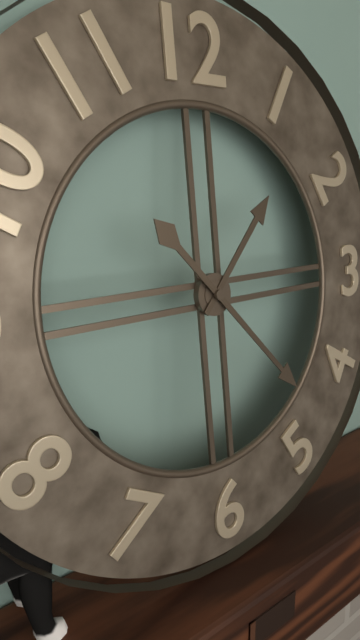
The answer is 1 h 23 min
